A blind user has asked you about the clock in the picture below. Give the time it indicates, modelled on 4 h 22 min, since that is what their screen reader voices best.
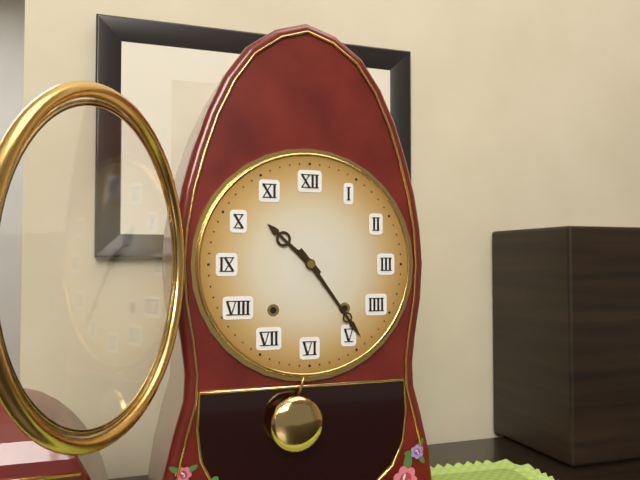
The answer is 10 h 24 min
